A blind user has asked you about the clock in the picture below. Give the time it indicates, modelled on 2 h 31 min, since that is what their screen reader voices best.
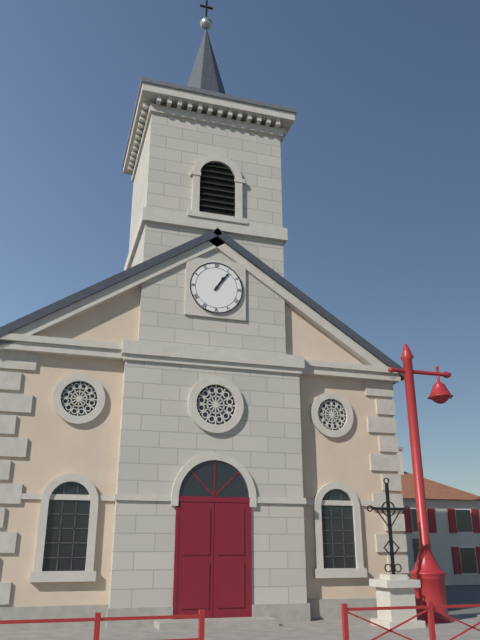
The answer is 1 h 06 min
